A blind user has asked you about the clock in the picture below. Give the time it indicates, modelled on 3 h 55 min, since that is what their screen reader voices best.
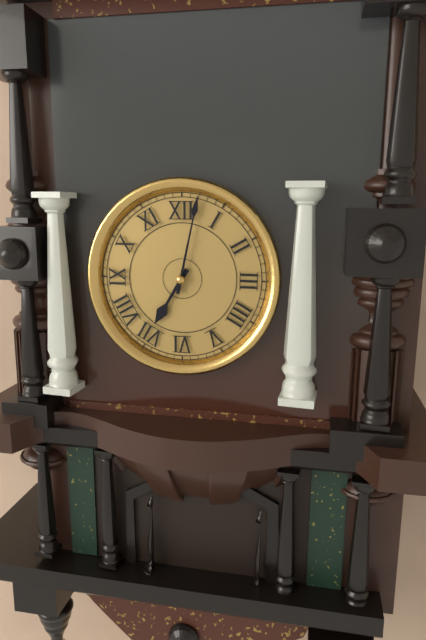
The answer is 7 h 02 min
